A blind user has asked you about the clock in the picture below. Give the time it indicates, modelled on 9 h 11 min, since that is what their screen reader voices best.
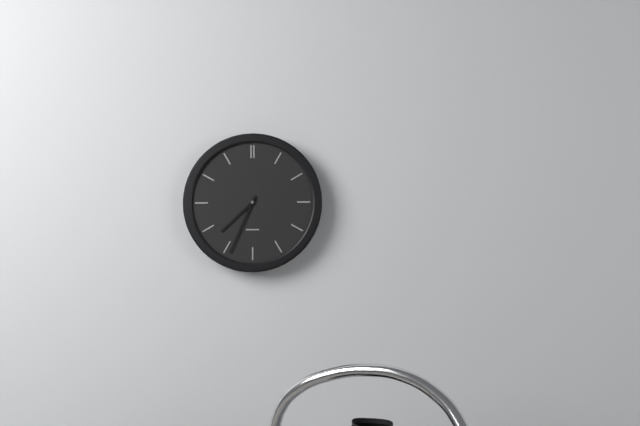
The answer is 7 h 34 min
